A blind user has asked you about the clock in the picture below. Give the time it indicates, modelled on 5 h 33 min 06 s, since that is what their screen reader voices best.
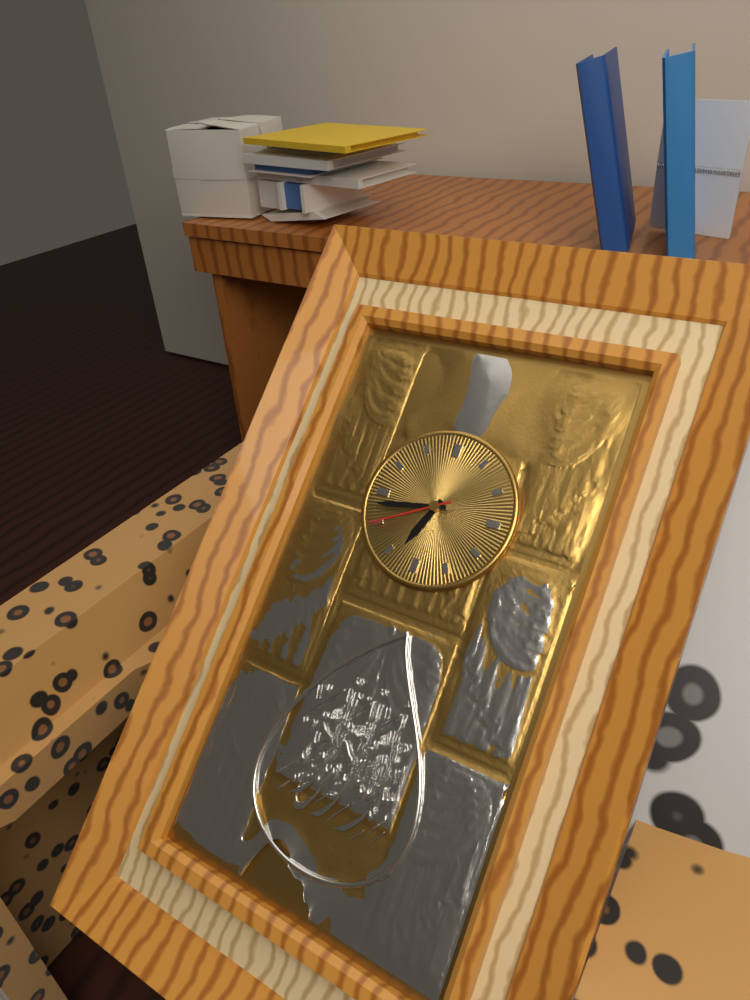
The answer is 6 h 43 min 40 s
